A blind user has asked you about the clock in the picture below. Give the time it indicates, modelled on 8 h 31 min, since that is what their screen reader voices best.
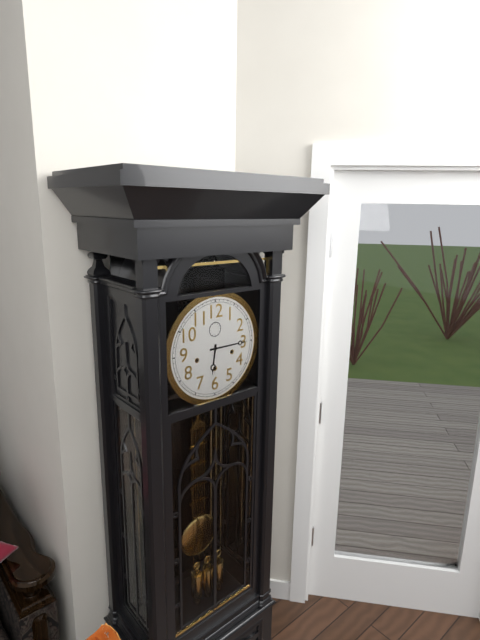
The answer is 6 h 15 min
